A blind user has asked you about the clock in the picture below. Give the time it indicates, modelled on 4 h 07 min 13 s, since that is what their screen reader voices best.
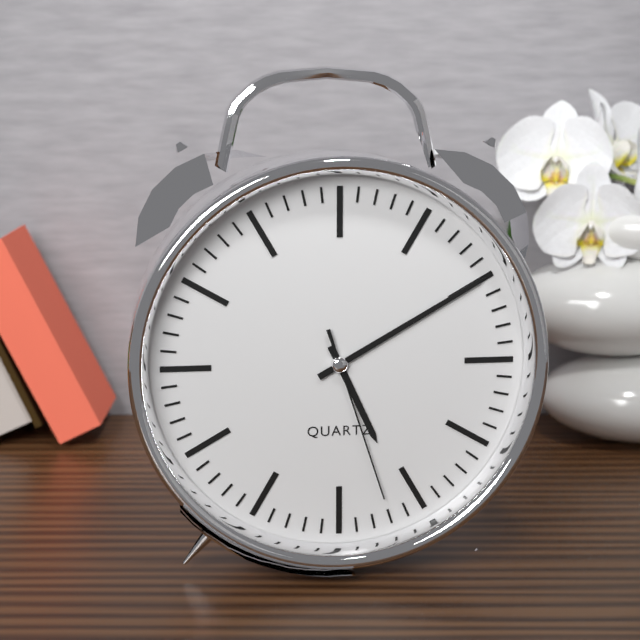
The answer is 5 h 10 min 27 s
